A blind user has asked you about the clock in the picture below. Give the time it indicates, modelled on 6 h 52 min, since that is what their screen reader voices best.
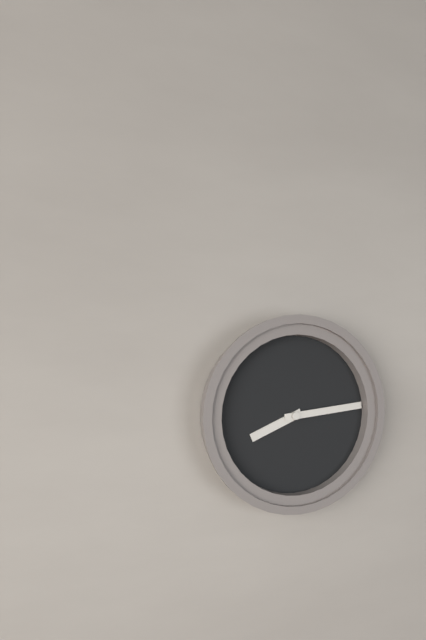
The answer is 8 h 14 min
